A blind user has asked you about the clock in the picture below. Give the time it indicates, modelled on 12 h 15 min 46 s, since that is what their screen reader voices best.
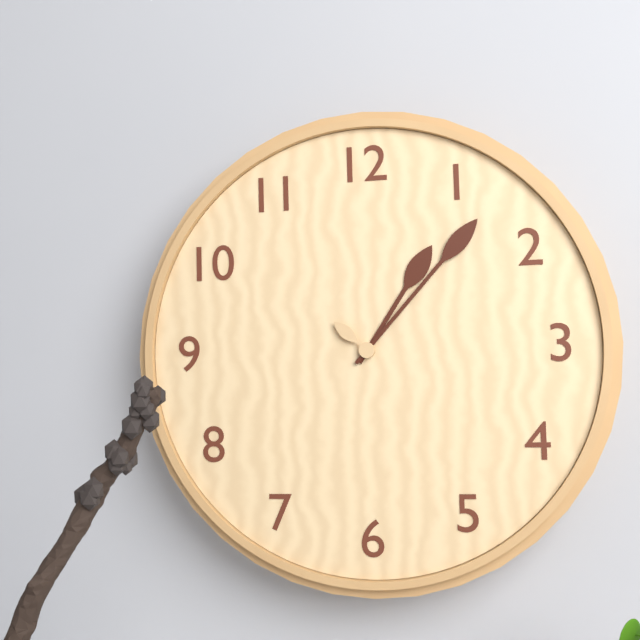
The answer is 1 h 07 min 52 s
